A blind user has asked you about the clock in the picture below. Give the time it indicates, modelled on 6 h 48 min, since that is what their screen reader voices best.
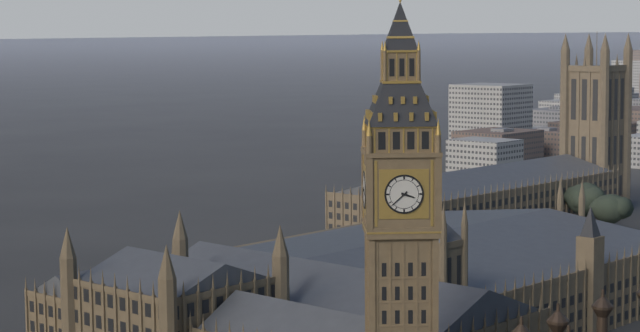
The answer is 3 h 38 min
